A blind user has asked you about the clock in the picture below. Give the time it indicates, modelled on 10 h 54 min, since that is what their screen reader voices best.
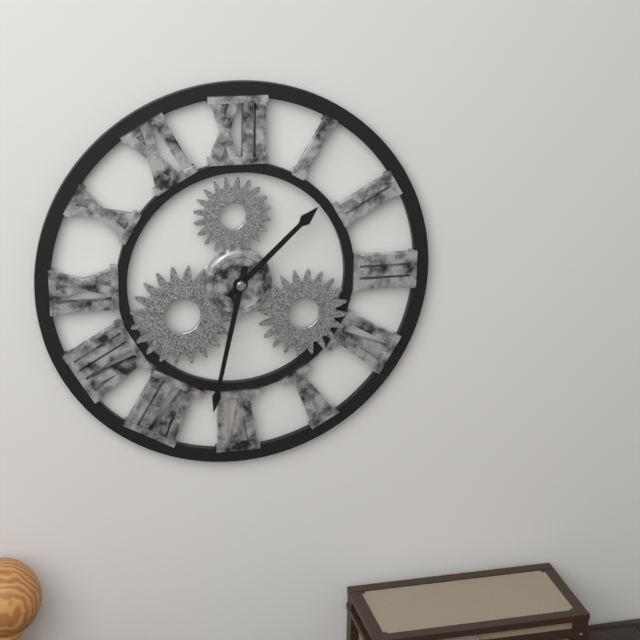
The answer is 1 h 32 min
